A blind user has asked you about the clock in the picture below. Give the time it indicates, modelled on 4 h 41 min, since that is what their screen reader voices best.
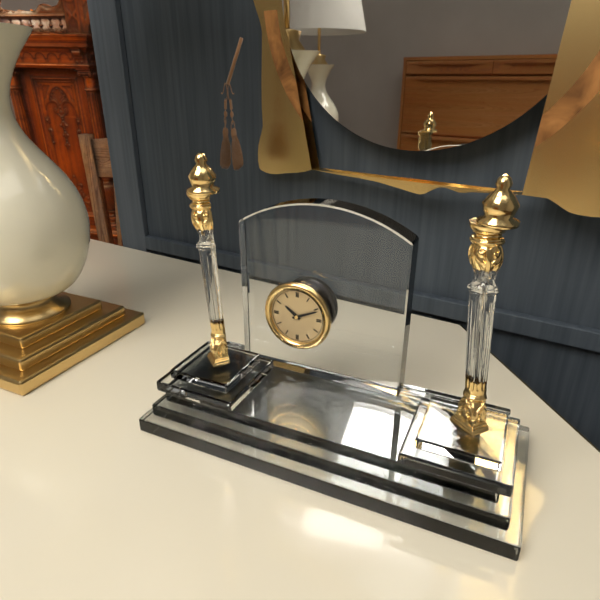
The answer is 10 h 11 min
